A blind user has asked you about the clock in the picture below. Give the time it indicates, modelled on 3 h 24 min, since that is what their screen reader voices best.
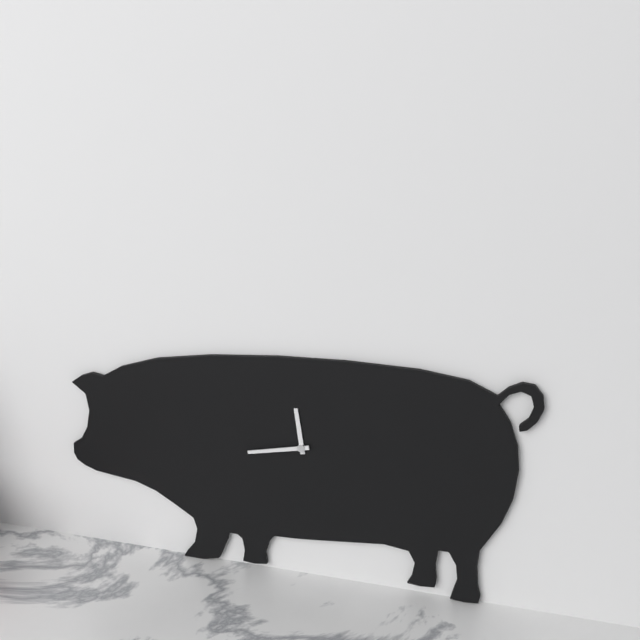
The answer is 11 h 43 min
